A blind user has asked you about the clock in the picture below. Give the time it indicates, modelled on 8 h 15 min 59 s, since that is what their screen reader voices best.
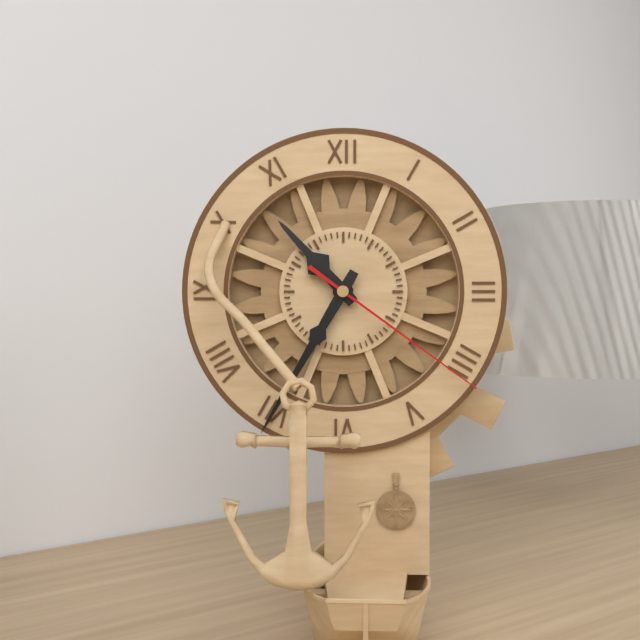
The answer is 10 h 35 min 21 s
